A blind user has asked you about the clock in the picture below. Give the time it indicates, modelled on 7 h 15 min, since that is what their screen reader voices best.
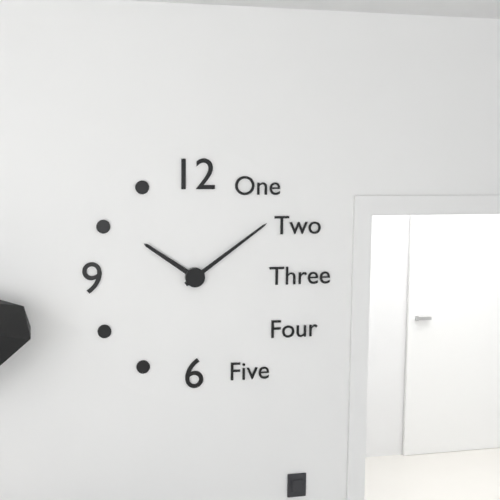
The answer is 10 h 09 min
